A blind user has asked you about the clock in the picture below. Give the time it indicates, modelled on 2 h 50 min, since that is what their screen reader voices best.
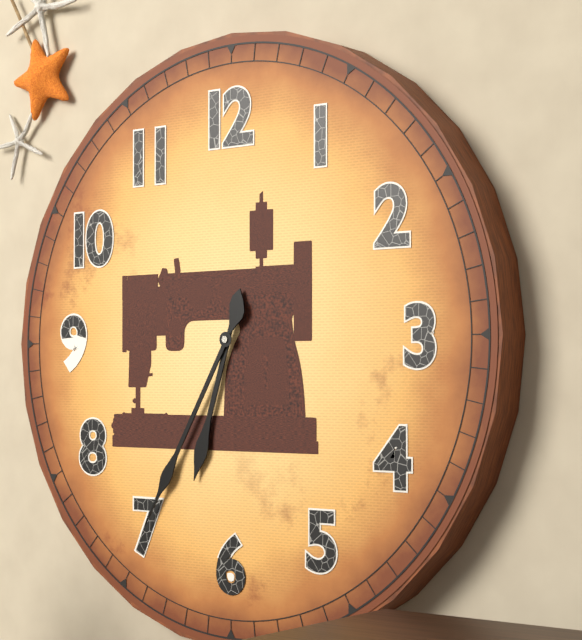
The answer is 6 h 35 min
